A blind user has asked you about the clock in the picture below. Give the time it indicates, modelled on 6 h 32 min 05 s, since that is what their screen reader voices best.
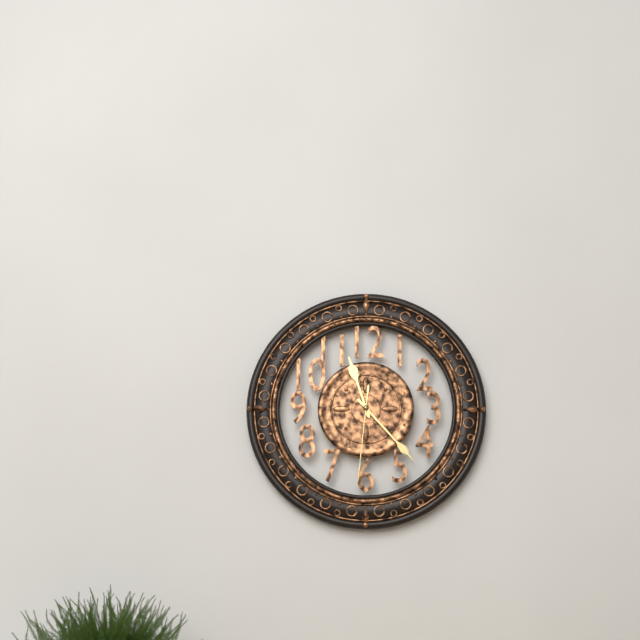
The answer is 11 h 23 min 31 s
